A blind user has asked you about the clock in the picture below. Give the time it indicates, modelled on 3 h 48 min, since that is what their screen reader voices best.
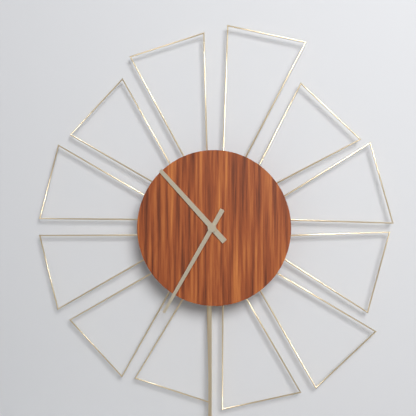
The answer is 10 h 35 min
